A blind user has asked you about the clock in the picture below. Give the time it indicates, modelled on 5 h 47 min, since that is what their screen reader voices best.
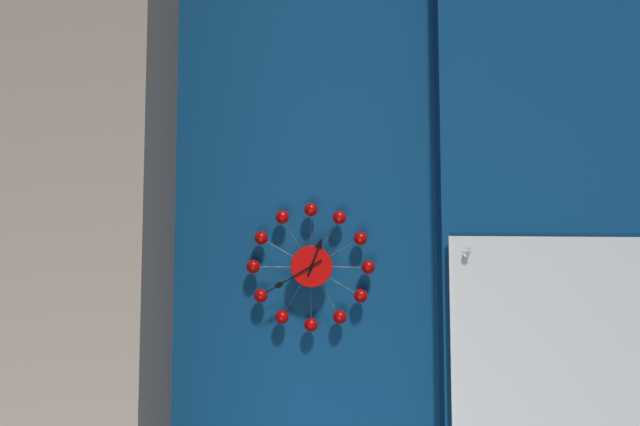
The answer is 12 h 40 min
